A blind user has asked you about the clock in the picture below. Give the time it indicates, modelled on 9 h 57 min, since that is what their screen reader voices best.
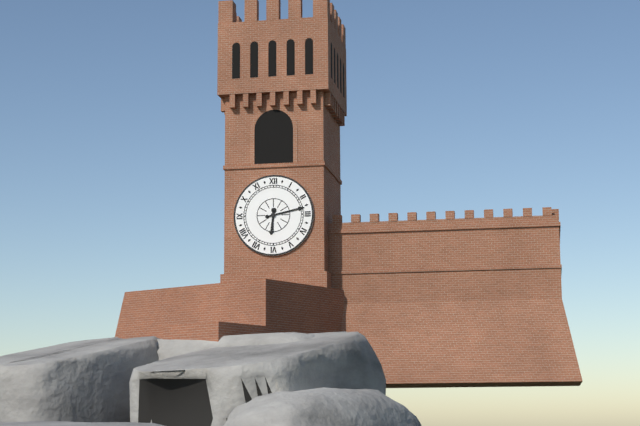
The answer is 6 h 13 min
